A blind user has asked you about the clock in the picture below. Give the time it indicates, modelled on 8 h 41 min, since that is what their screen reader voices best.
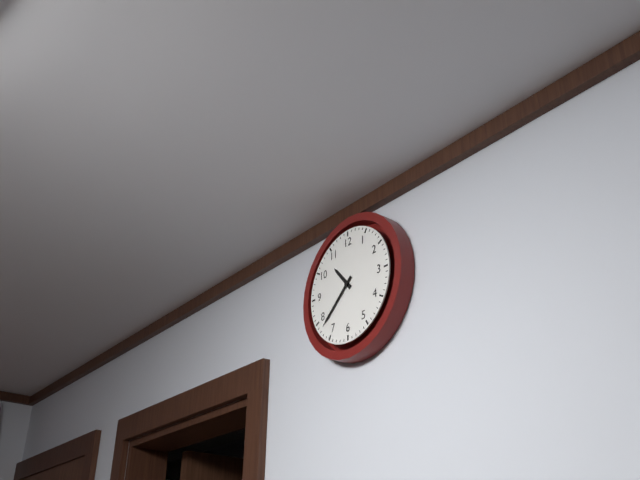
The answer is 10 h 38 min
